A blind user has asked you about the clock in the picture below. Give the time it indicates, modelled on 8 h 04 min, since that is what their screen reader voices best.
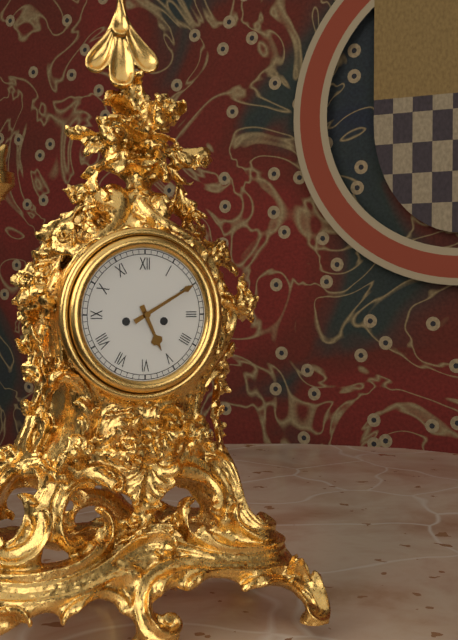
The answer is 5 h 10 min
